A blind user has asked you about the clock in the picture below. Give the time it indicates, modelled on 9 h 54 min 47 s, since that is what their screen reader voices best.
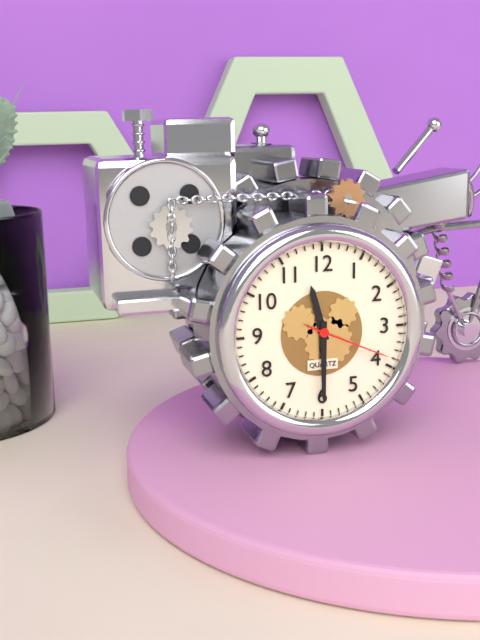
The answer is 11 h 30 min 19 s
